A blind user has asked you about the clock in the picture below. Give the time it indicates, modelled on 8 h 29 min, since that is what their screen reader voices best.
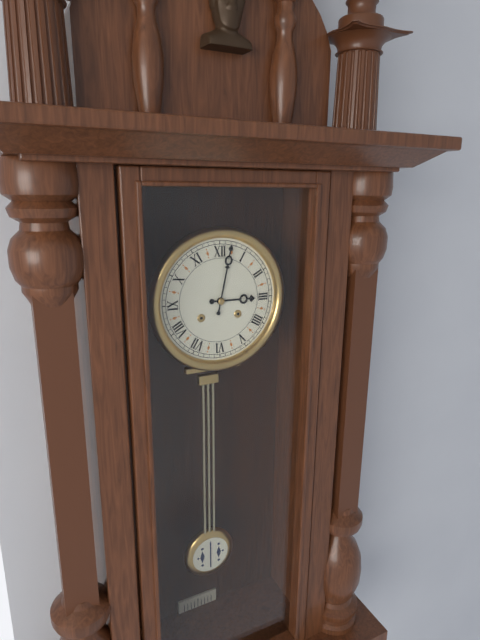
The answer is 3 h 02 min
